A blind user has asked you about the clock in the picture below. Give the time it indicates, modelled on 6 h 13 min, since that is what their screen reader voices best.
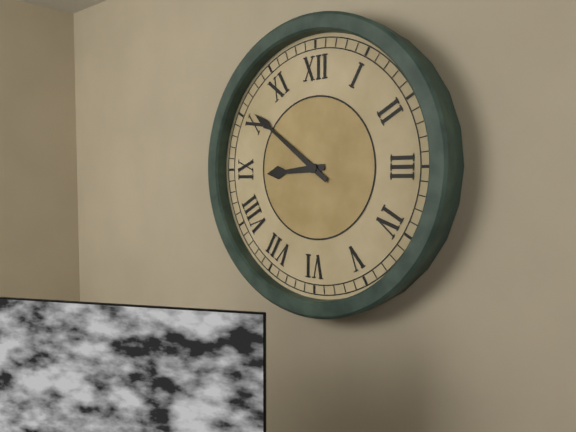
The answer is 8 h 51 min
